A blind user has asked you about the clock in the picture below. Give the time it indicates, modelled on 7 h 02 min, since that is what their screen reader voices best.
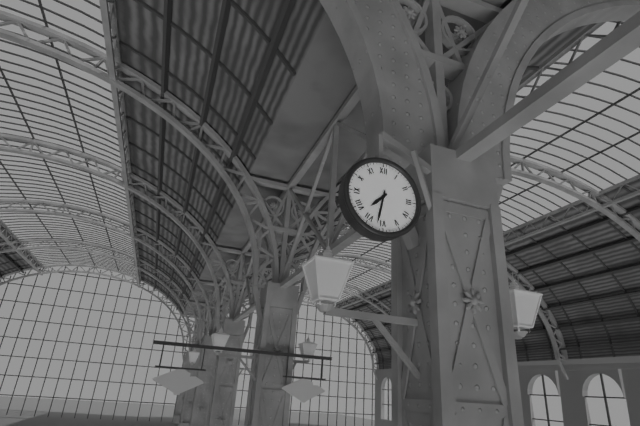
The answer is 7 h 32 min
